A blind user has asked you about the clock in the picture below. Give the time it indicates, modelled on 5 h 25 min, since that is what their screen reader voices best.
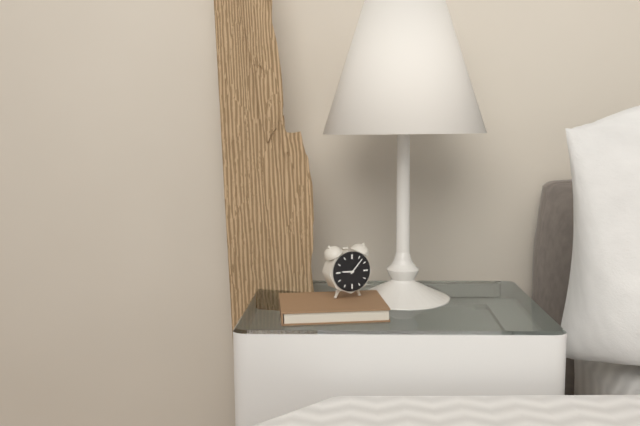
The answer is 9 h 07 min
